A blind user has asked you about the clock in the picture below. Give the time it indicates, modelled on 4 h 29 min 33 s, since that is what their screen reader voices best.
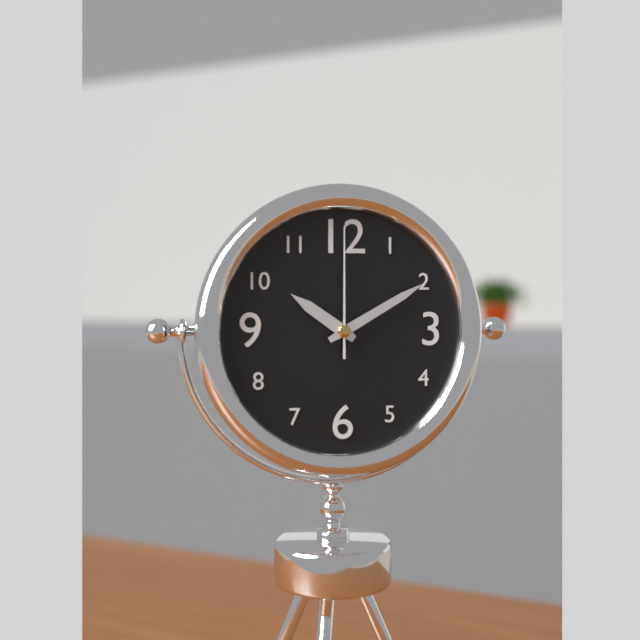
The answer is 10 h 10 min 00 s
